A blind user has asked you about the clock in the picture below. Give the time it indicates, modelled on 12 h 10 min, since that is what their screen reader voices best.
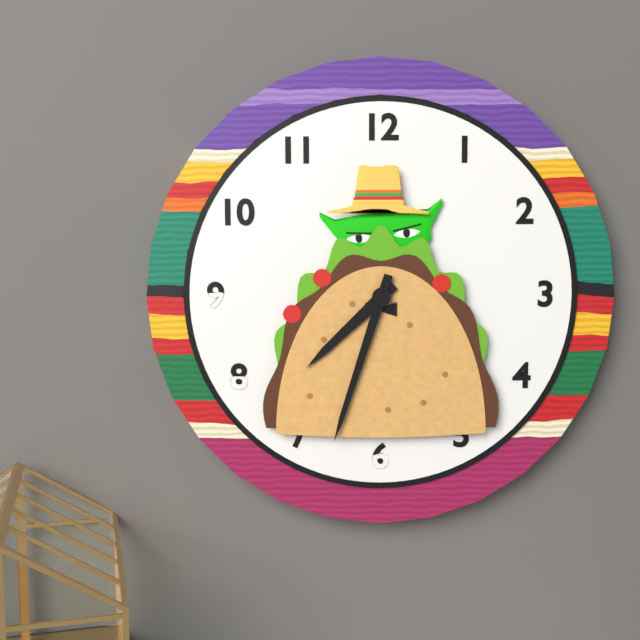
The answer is 7 h 33 min
